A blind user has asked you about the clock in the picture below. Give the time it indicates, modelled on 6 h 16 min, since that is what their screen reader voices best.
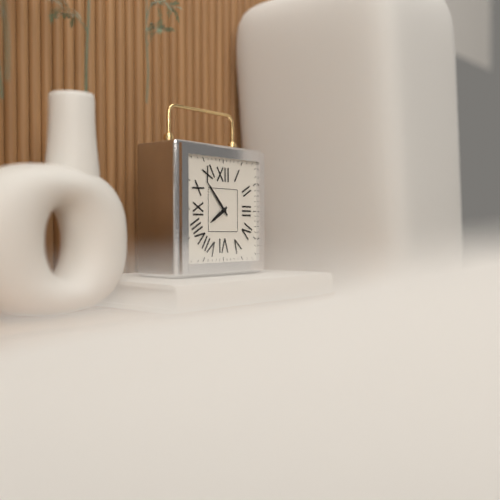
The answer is 7 h 53 min
